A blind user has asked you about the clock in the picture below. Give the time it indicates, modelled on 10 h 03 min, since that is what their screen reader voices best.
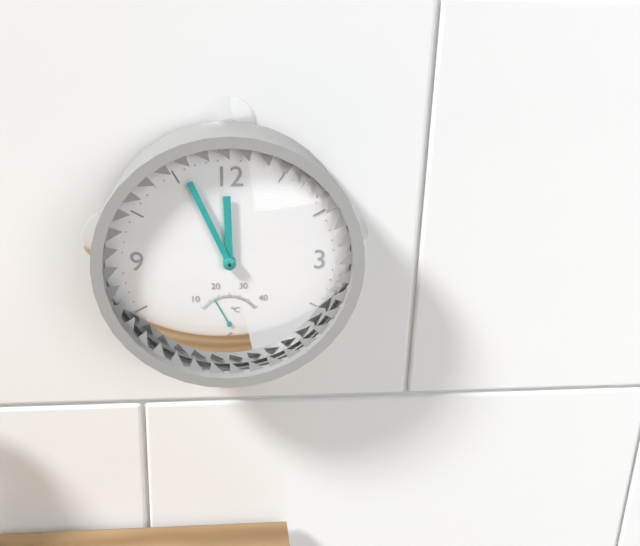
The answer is 11 h 56 min
